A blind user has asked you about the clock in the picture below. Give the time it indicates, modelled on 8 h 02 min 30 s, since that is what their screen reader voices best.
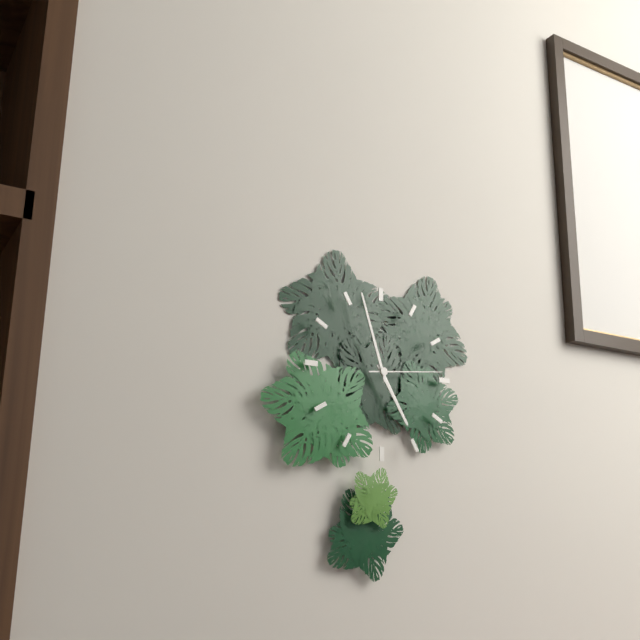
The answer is 4 h 57 min 14 s
